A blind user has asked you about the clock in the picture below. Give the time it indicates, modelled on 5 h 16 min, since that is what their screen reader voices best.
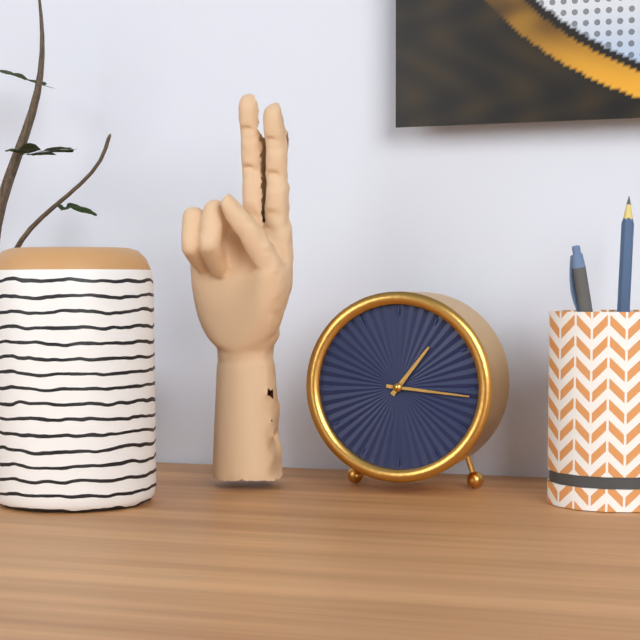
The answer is 1 h 16 min
